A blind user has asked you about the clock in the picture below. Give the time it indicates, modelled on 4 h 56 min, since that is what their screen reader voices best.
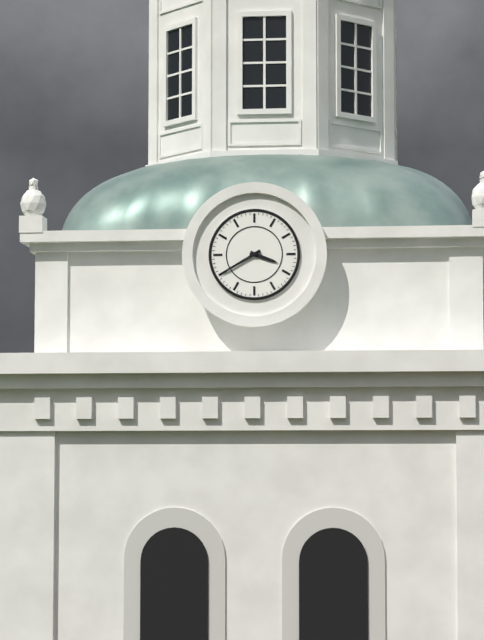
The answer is 3 h 40 min
